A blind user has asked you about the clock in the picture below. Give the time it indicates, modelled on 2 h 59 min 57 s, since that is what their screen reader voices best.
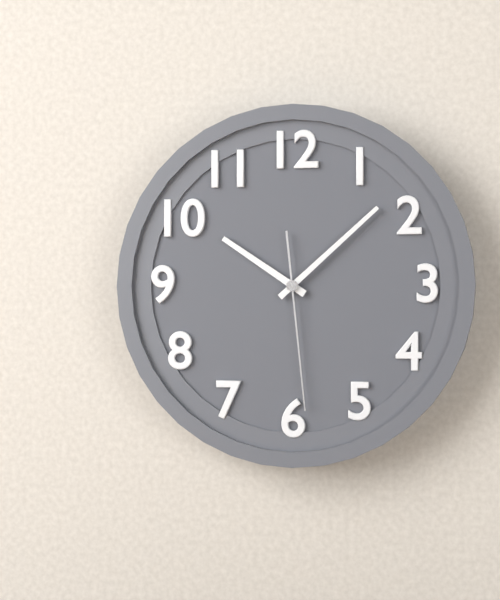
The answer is 10 h 08 min 29 s
